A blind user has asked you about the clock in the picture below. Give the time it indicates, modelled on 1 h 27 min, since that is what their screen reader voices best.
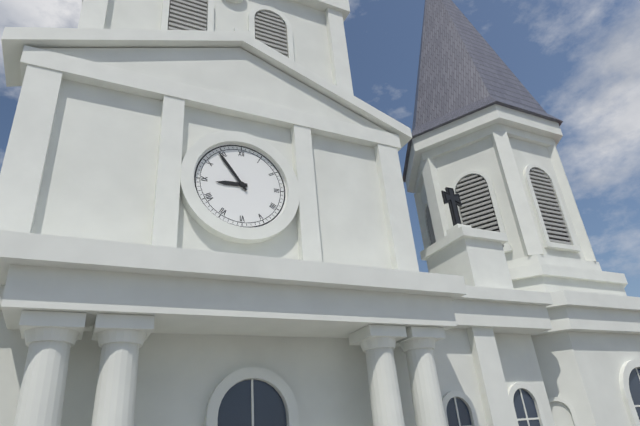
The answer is 8 h 54 min
